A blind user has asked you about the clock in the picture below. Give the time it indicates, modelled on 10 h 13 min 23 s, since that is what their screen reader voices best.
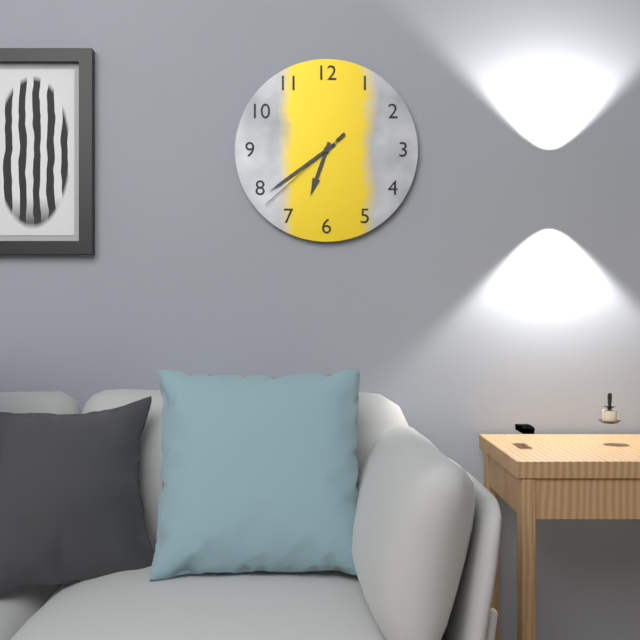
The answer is 6 h 39 min 38 s
